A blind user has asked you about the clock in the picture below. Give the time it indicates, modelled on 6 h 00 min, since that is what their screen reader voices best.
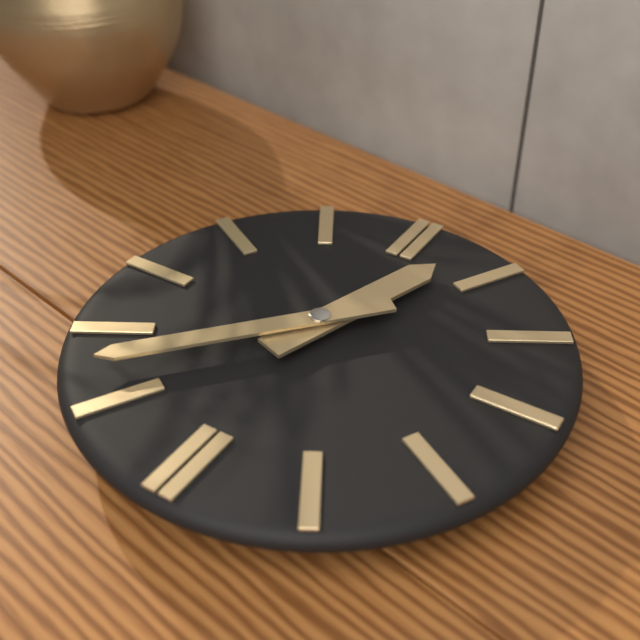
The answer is 12 h 37 min
